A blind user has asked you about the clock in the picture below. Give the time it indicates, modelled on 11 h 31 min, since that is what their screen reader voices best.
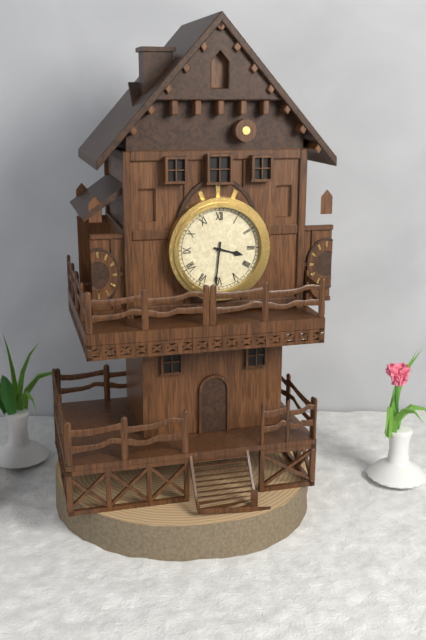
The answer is 3 h 31 min
